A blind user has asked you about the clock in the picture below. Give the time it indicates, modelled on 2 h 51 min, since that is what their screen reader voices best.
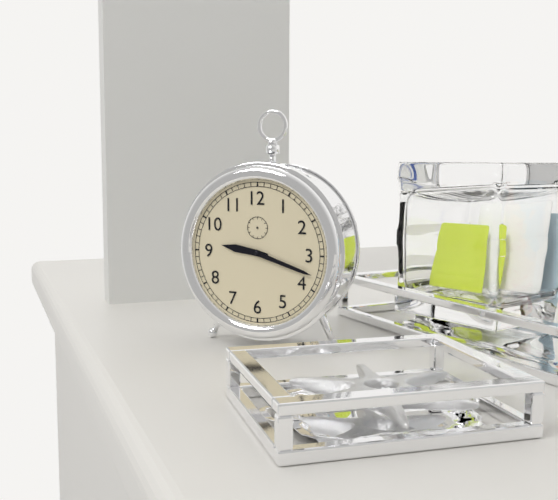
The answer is 9 h 18 min
